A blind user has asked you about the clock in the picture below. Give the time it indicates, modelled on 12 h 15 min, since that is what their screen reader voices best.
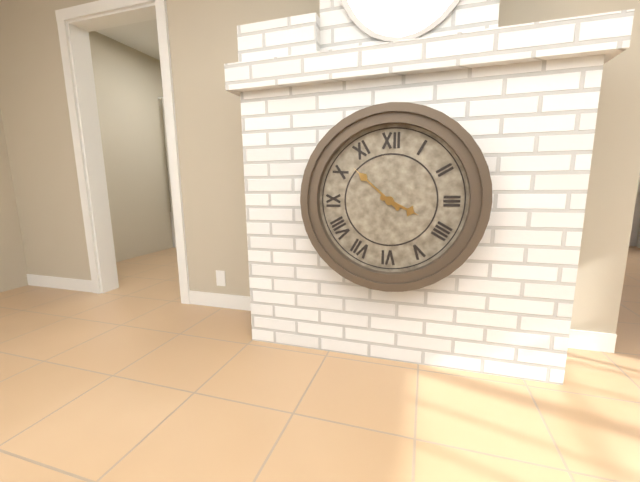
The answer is 3 h 52 min
